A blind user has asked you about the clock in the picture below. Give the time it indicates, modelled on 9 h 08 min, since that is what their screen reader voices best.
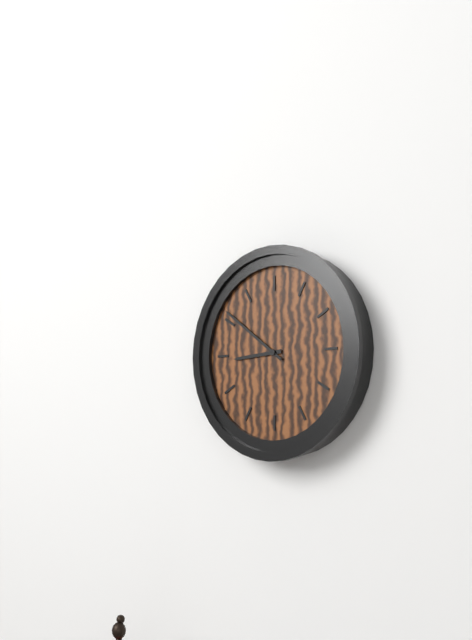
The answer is 8 h 51 min
